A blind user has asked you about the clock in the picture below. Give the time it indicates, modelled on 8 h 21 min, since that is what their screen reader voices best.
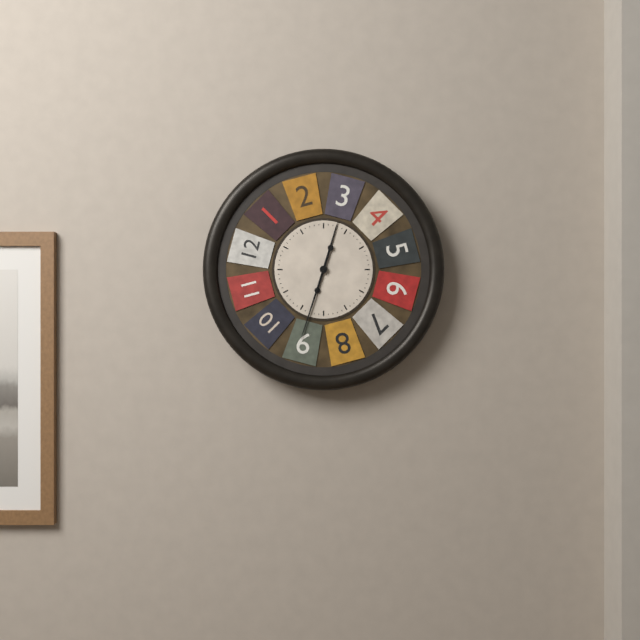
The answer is 12 h 33 min
